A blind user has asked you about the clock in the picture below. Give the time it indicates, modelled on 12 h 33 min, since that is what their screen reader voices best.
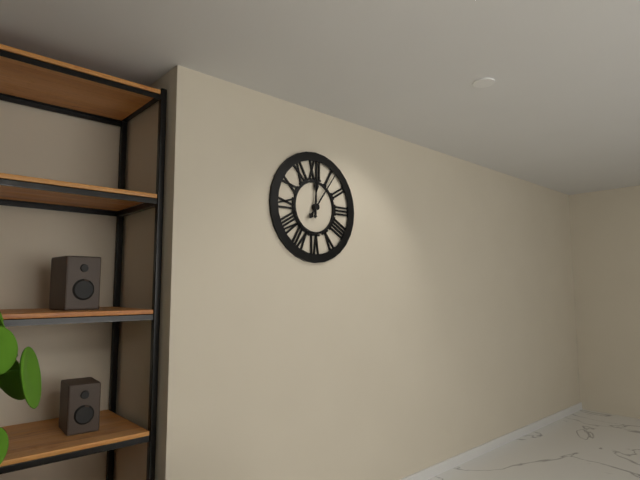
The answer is 12 h 06 min
